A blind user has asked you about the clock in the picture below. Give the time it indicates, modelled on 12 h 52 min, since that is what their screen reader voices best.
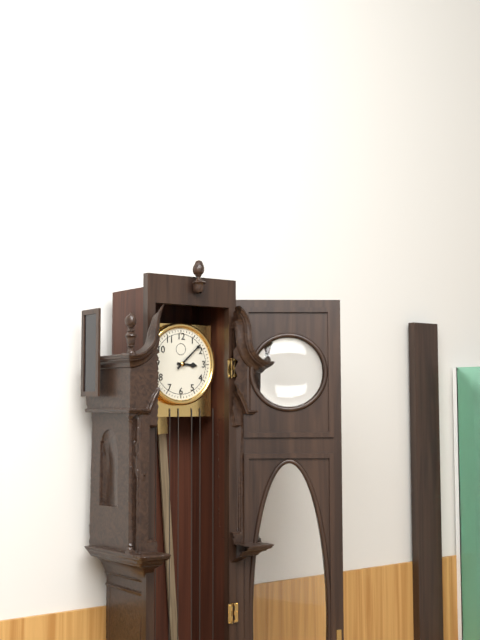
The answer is 3 h 08 min
